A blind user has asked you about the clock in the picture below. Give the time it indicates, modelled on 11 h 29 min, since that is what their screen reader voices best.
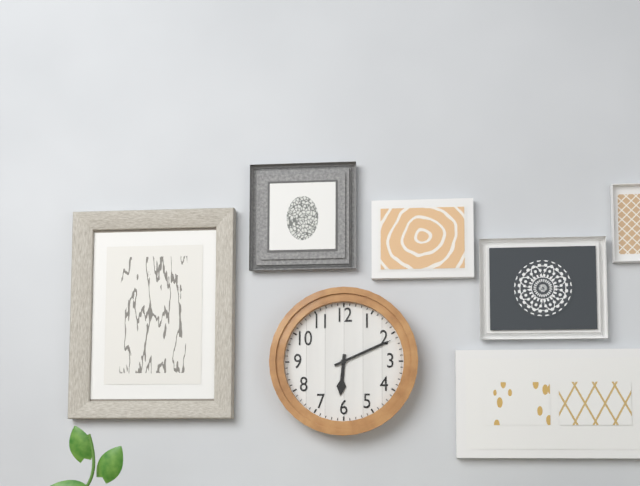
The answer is 6 h 11 min
